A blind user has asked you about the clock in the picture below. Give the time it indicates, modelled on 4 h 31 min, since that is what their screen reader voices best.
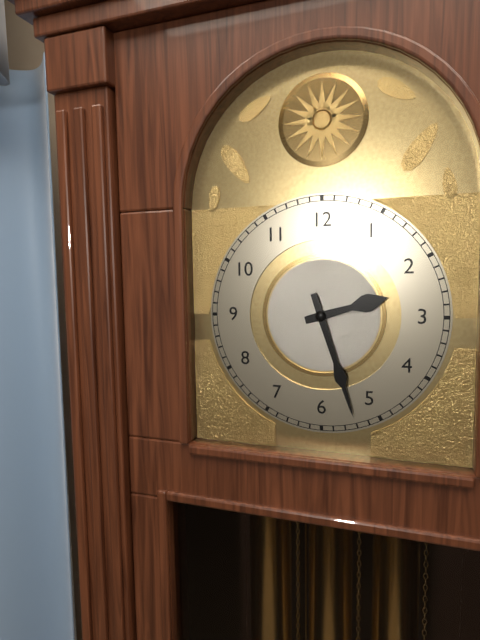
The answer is 2 h 27 min
